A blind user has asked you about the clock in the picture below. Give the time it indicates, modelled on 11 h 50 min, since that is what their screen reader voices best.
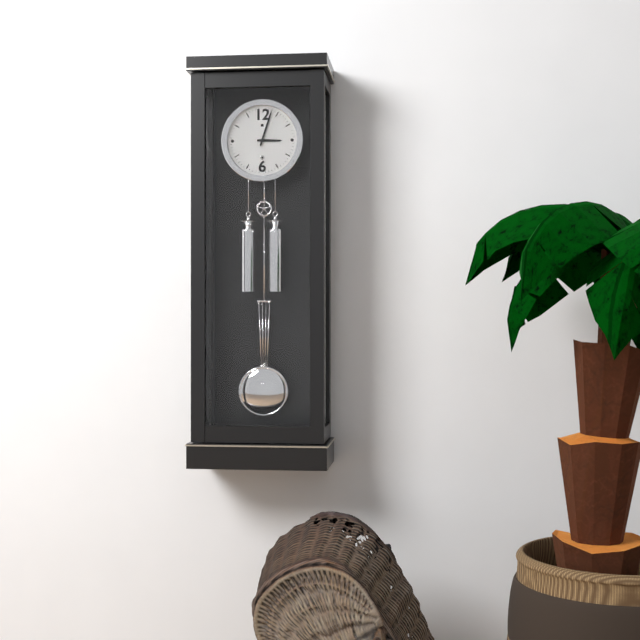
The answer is 3 h 03 min
